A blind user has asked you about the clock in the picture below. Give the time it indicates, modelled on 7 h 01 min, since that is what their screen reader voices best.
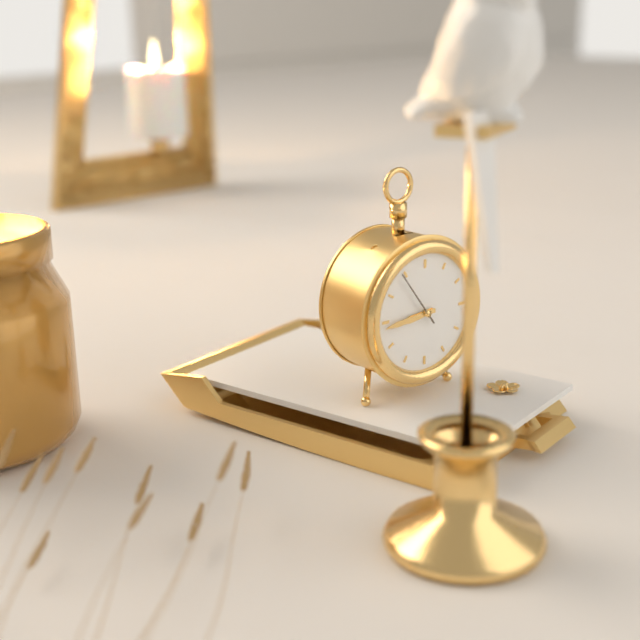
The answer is 8 h 44 min
